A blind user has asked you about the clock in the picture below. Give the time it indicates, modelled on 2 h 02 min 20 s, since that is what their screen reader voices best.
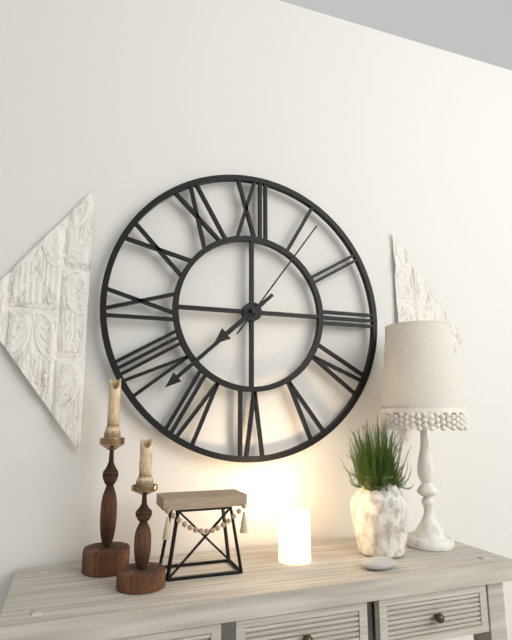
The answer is 7 h 38 min 06 s
